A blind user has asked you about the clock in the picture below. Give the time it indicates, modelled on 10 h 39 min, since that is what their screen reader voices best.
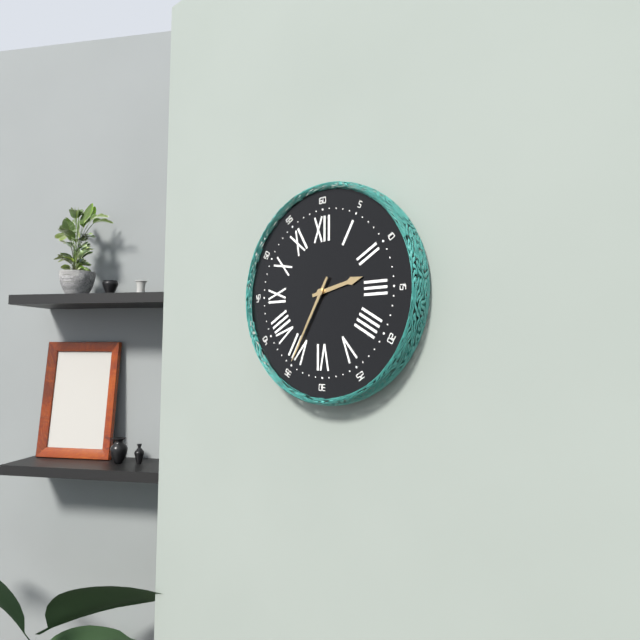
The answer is 2 h 35 min
